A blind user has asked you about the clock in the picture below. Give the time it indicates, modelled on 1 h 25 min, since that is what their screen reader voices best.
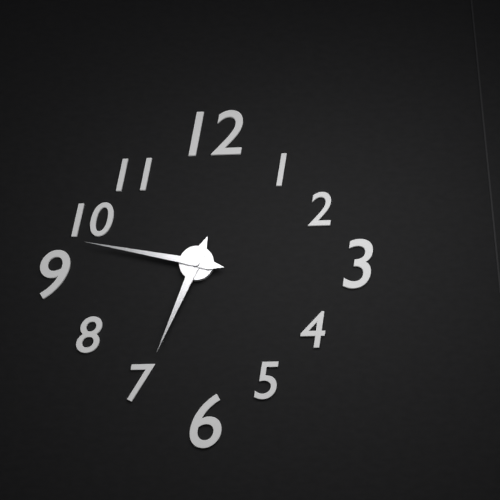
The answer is 6 h 47 min
